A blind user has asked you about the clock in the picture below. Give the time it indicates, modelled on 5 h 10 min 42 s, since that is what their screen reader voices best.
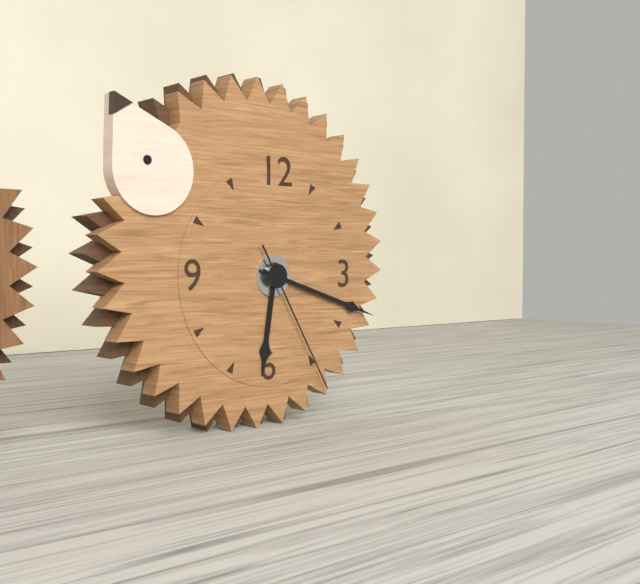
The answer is 6 h 18 min 25 s
